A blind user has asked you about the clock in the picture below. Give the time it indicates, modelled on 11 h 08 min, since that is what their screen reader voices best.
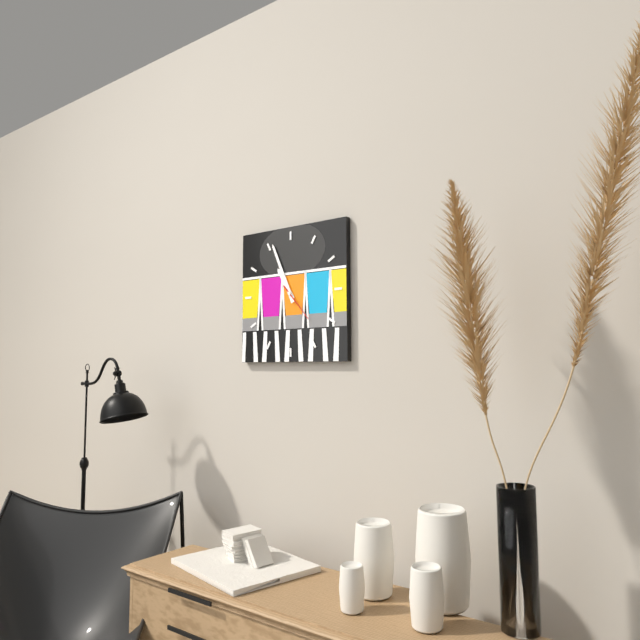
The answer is 10 h 56 min
